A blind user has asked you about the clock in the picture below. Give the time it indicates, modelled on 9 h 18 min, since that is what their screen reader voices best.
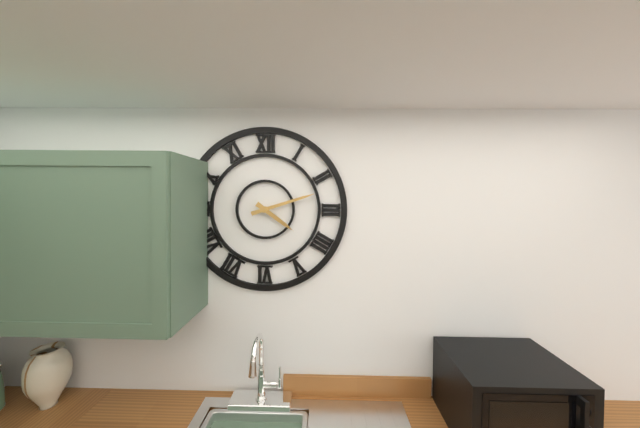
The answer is 4 h 12 min
